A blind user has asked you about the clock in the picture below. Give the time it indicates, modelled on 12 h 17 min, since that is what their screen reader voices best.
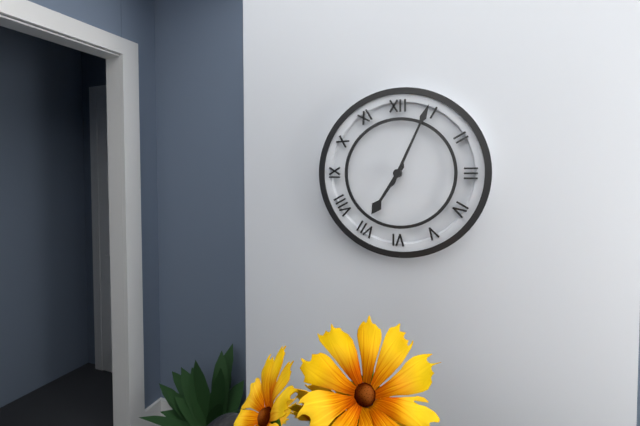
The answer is 7 h 04 min
